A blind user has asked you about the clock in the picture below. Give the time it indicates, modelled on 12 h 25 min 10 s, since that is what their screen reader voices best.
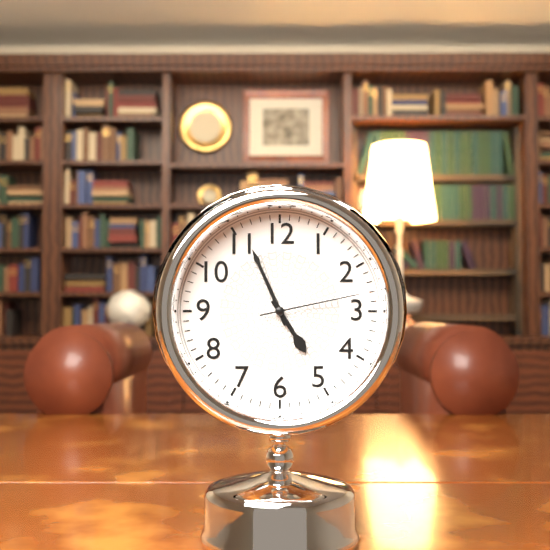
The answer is 4 h 56 min 13 s
